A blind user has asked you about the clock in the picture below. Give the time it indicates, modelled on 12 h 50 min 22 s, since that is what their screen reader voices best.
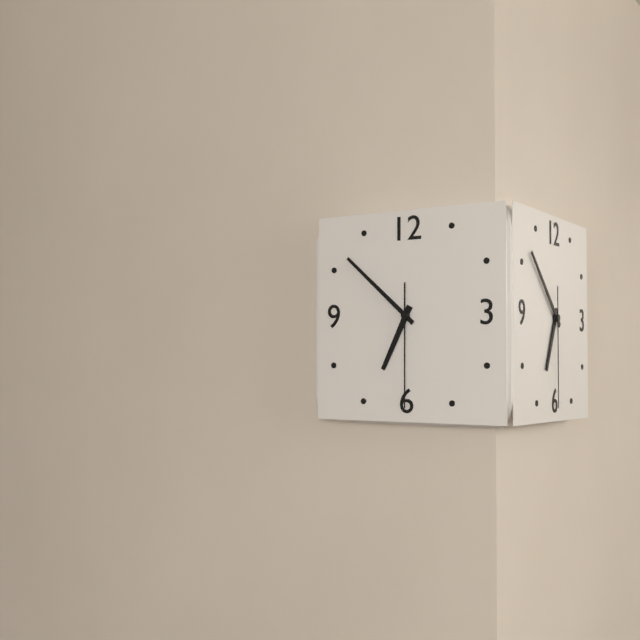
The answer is 6 h 52 min 30 s
